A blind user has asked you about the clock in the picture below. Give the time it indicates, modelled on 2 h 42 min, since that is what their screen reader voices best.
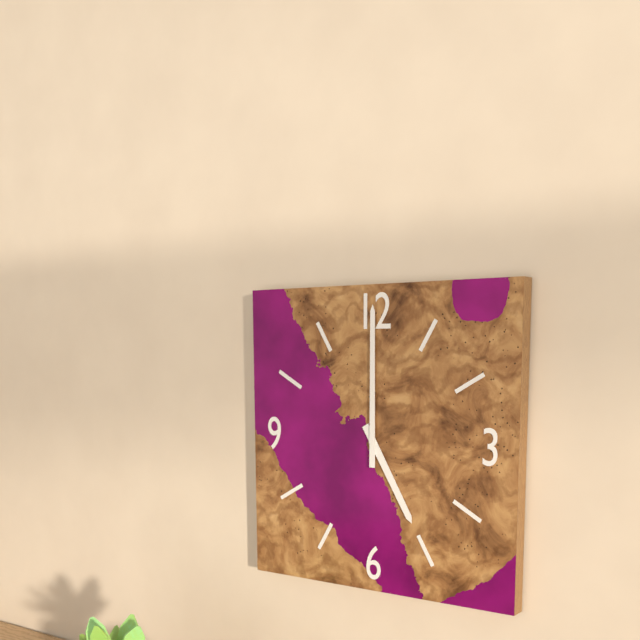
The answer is 5 h 00 min
